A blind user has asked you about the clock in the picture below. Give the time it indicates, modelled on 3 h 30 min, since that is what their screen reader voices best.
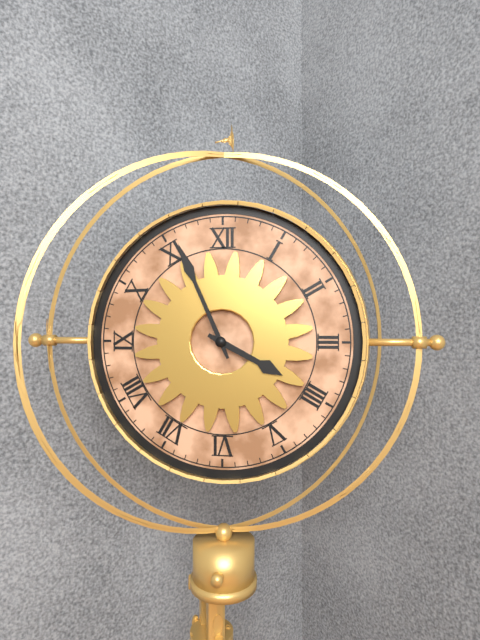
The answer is 3 h 56 min
